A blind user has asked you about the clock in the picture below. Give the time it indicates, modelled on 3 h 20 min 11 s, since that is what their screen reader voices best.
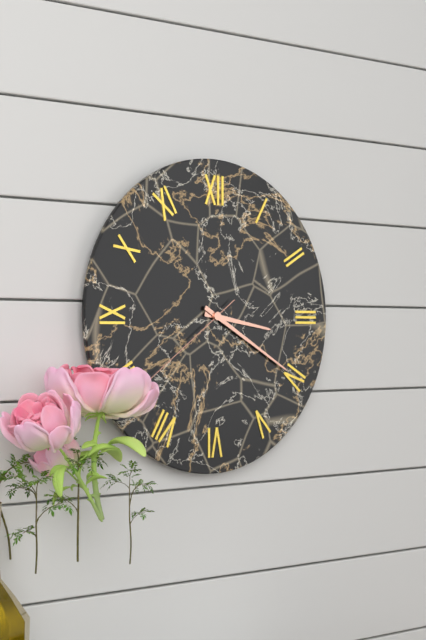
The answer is 3 h 20 min 39 s
